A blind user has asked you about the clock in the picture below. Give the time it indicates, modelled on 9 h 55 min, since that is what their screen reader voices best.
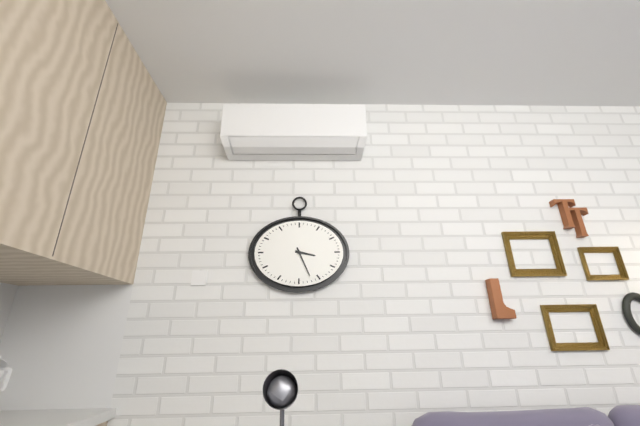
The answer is 3 h 26 min
